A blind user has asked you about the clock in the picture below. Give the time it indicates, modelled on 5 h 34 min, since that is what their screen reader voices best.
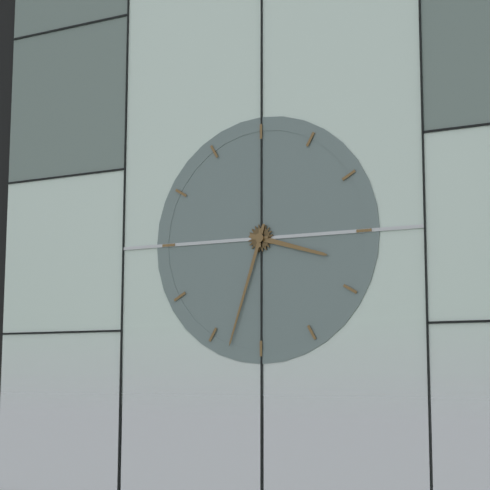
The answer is 3 h 33 min
